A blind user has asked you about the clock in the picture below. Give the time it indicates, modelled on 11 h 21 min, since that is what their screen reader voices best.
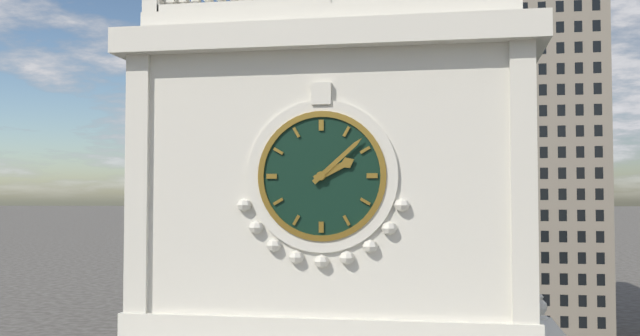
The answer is 2 h 08 min
